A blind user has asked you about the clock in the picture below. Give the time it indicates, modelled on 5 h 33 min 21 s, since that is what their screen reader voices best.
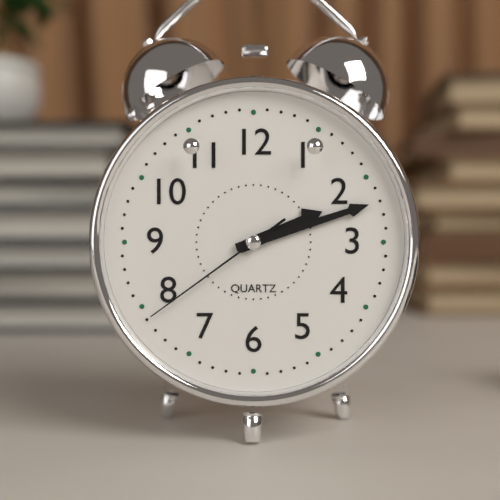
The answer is 2 h 12 min 39 s
